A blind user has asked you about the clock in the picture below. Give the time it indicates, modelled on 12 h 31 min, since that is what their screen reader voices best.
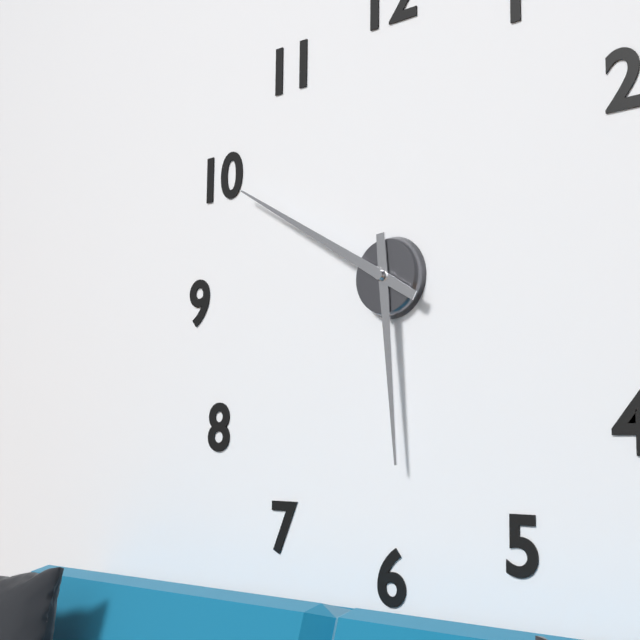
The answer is 5 h 50 min
